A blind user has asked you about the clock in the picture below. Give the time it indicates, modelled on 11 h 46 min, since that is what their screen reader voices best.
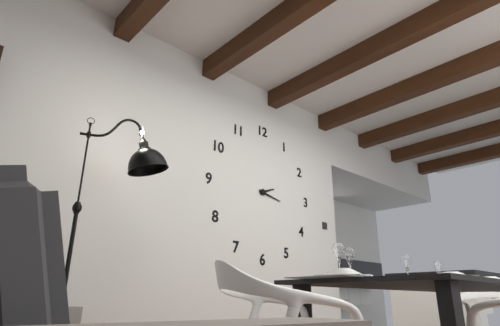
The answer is 2 h 17 min
